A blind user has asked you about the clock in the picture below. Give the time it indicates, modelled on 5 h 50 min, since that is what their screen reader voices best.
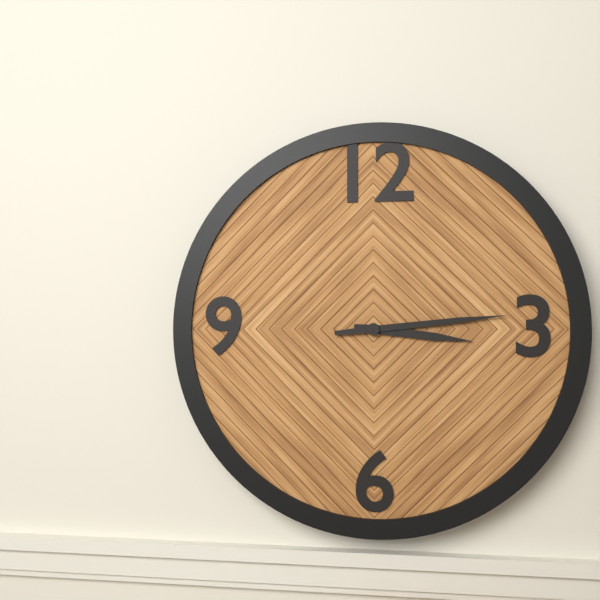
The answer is 3 h 14 min
